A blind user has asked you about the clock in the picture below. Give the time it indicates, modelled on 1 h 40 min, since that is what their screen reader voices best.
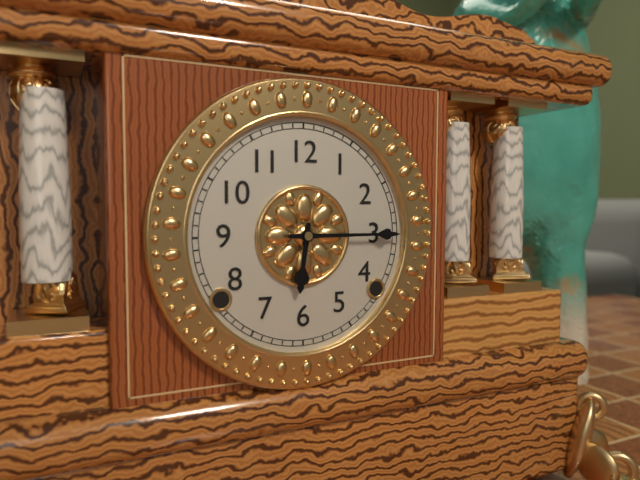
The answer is 6 h 15 min
